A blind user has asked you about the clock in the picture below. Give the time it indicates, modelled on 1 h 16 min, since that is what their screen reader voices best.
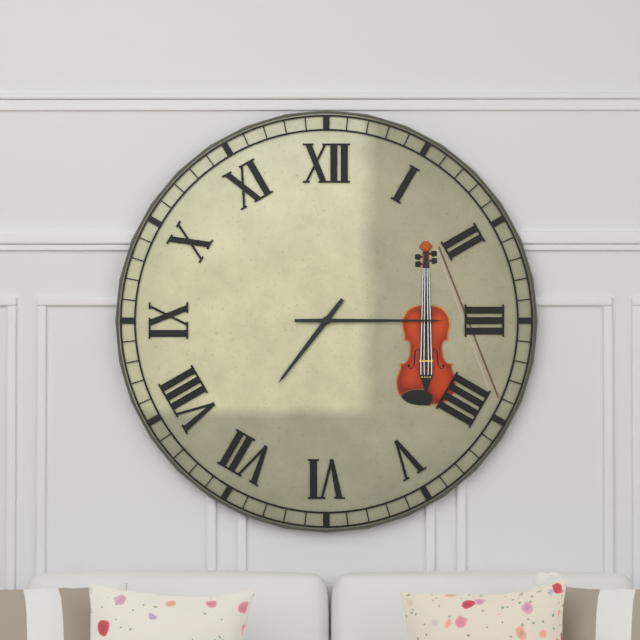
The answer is 7 h 15 min
